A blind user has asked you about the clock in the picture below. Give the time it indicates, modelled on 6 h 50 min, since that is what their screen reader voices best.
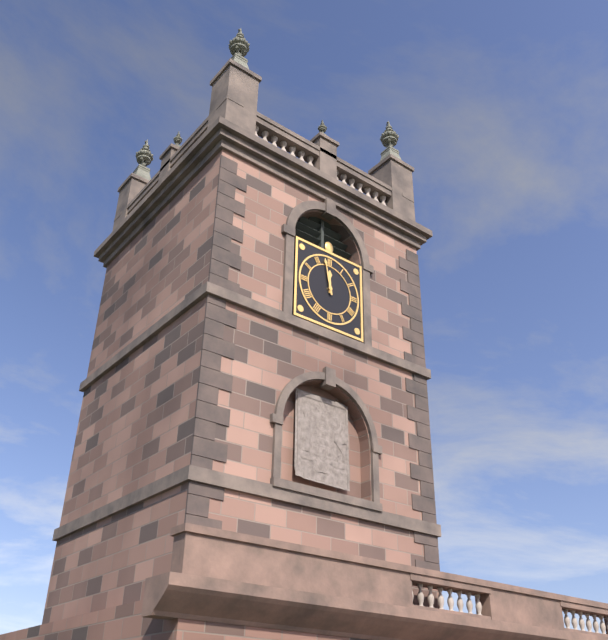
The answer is 11 h 58 min
